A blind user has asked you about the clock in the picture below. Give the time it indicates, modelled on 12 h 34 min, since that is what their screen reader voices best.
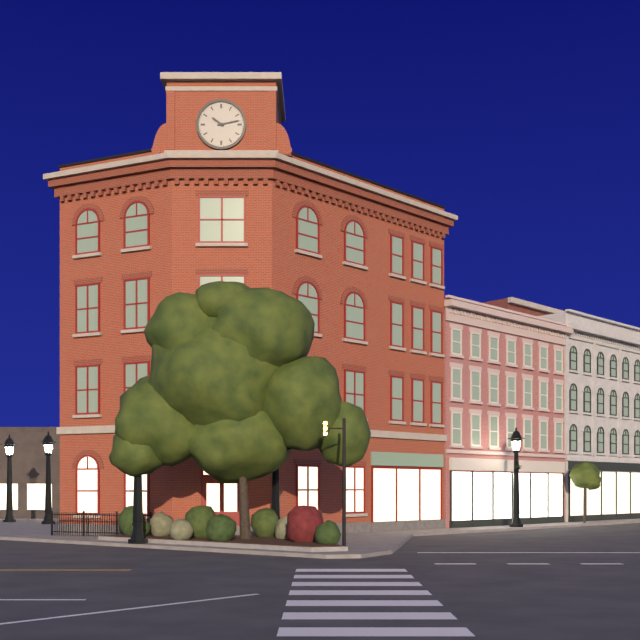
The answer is 10 h 13 min
